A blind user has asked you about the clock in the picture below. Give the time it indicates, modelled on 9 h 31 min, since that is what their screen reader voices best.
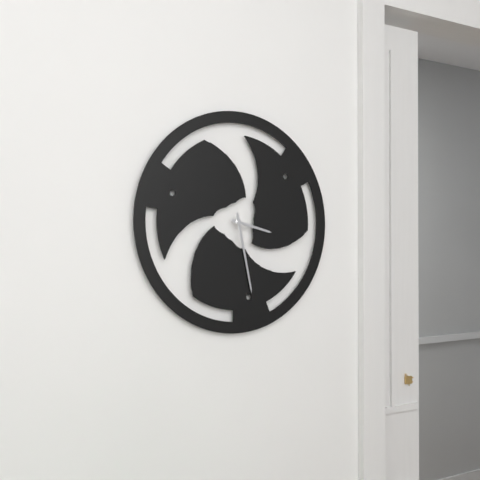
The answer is 3 h 28 min
